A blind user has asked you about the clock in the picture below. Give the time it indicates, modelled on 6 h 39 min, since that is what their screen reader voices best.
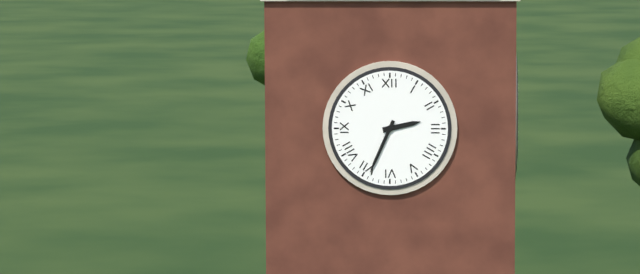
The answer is 2 h 34 min
